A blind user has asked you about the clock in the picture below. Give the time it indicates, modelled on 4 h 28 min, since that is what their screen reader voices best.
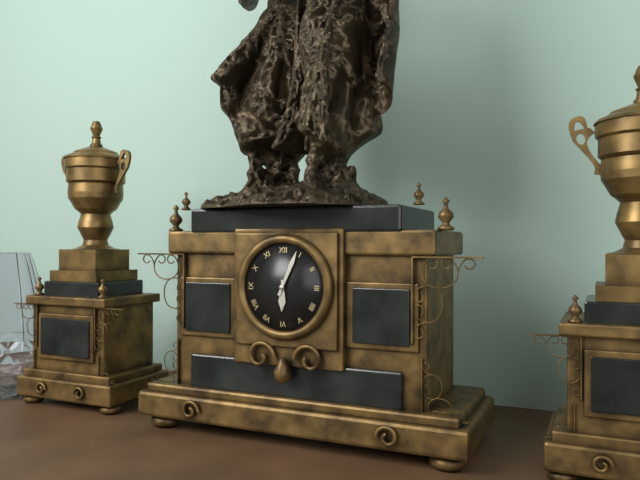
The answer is 6 h 04 min
